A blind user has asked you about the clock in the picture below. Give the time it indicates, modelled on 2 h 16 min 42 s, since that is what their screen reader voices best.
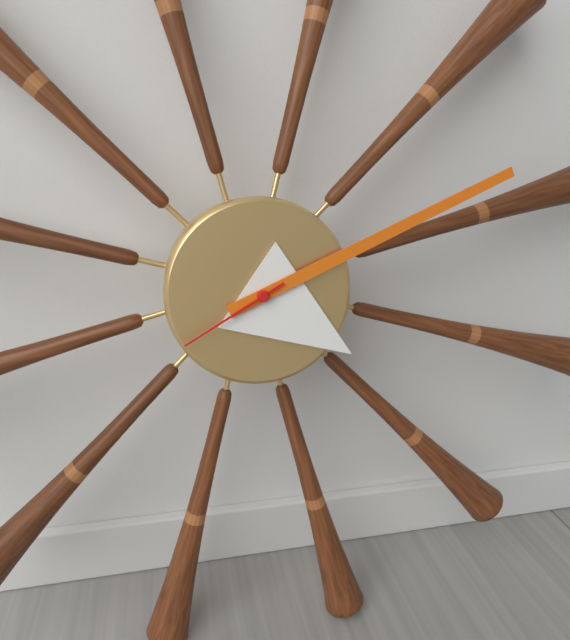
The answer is 4 h 11 min 40 s
